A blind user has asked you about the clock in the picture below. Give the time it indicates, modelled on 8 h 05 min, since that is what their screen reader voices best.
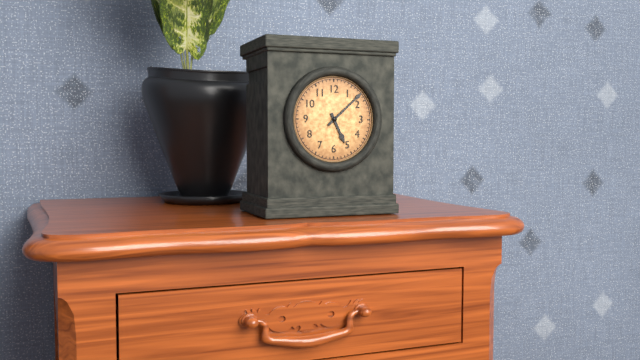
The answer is 5 h 08 min
